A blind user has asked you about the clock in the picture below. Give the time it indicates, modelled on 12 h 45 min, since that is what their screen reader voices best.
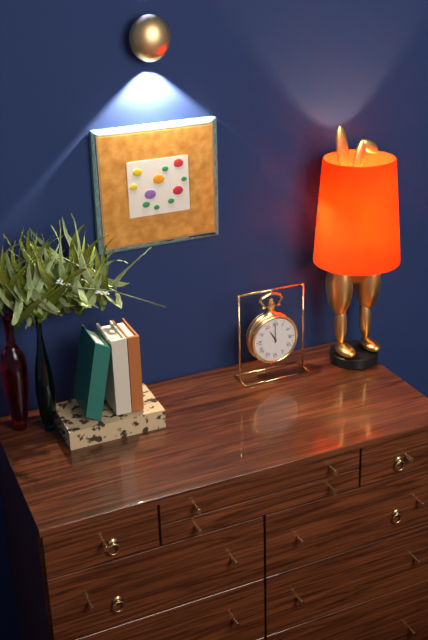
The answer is 11 h 00 min
